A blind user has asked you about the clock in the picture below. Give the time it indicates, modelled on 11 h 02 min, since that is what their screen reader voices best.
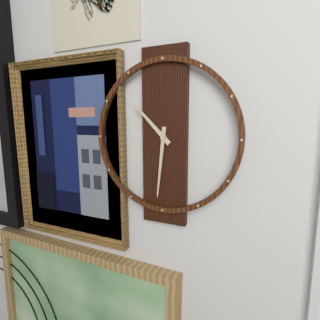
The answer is 10 h 31 min
